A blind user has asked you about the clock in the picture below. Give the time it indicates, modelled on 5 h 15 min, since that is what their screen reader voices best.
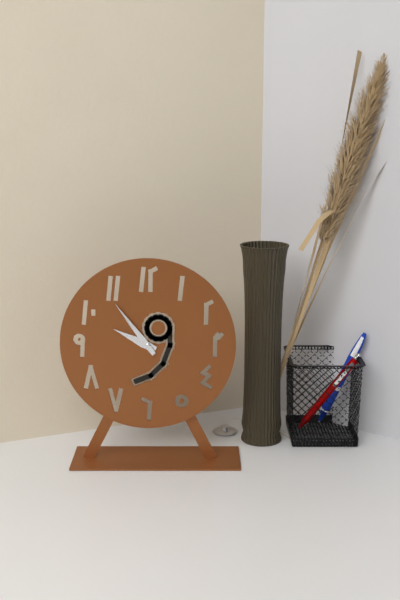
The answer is 9 h 54 min
